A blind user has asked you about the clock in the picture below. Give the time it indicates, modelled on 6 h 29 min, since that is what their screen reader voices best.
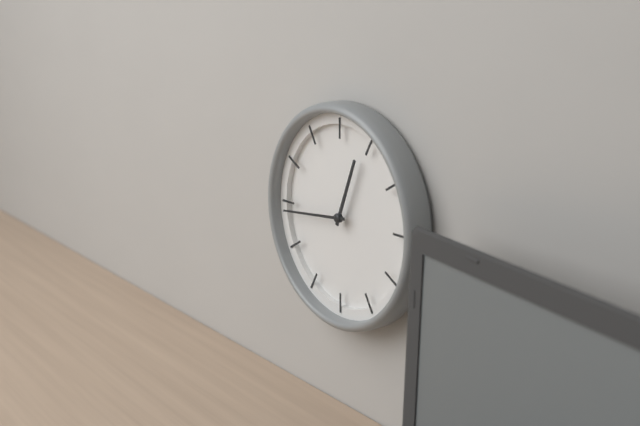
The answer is 12 h 44 min
